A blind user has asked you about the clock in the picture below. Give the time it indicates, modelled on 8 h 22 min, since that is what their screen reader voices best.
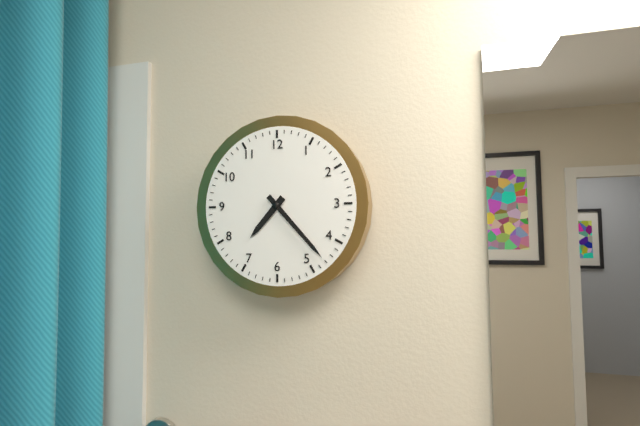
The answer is 7 h 23 min
